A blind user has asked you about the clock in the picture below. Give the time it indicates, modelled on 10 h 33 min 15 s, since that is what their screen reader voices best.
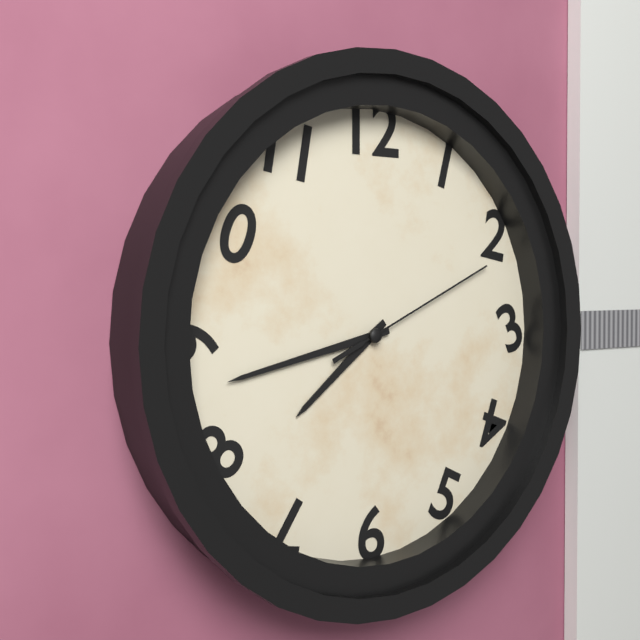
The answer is 7 h 43 min 11 s
